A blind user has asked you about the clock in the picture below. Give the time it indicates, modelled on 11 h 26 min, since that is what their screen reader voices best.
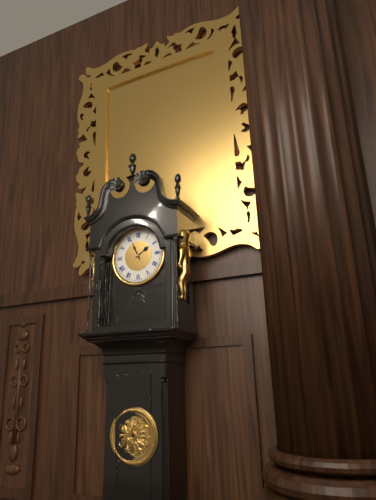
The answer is 1 h 56 min
